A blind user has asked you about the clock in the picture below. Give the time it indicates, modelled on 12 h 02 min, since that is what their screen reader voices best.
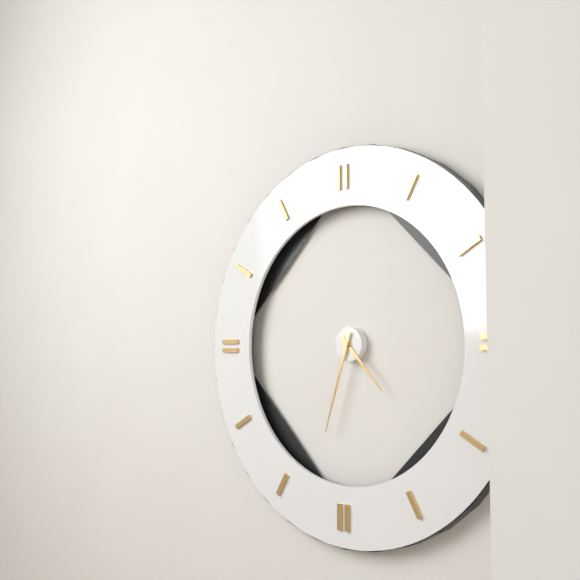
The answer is 4 h 33 min
